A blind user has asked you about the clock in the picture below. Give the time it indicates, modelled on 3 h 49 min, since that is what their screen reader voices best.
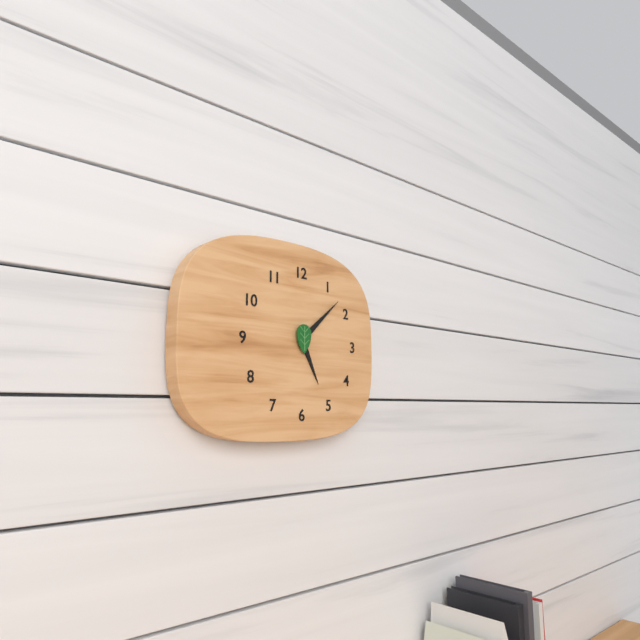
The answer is 5 h 08 min
